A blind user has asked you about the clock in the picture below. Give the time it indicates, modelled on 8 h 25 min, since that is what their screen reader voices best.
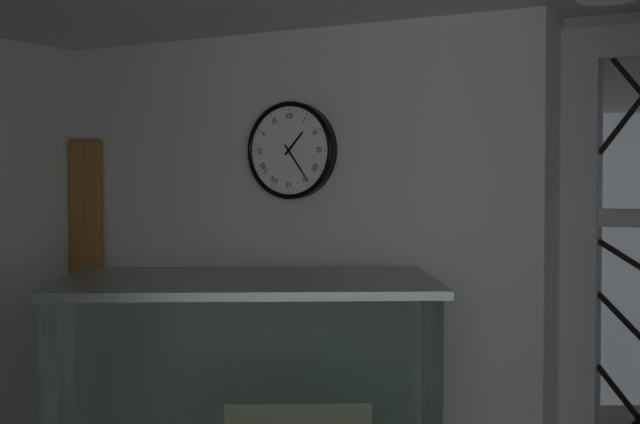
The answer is 1 h 24 min
